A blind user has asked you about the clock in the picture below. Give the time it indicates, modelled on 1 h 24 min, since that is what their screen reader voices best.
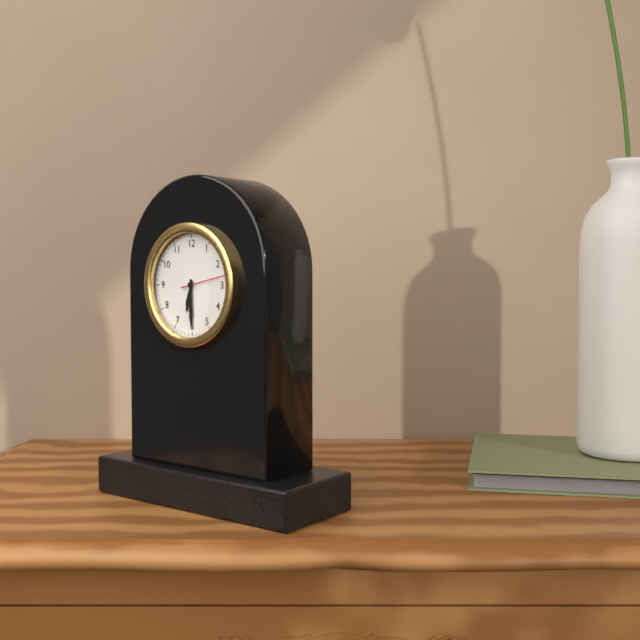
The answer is 6 h 30 min
